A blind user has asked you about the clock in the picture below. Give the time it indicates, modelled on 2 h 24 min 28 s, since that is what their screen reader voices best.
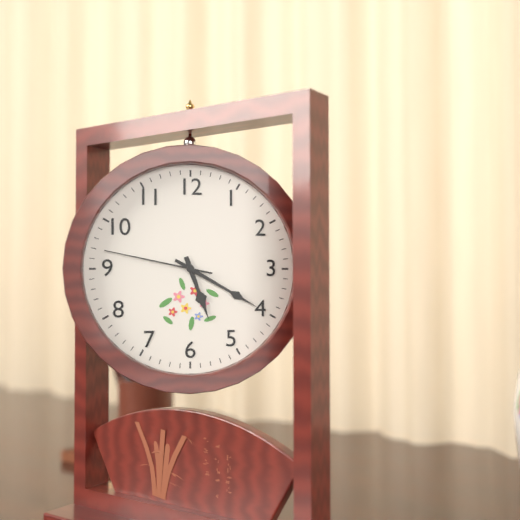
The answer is 5 h 20 min 47 s
